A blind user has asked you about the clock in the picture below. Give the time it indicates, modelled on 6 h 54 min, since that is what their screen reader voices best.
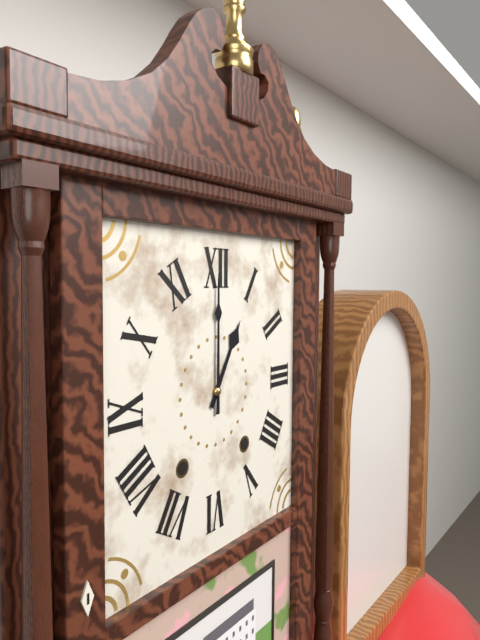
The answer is 1 h 00 min
